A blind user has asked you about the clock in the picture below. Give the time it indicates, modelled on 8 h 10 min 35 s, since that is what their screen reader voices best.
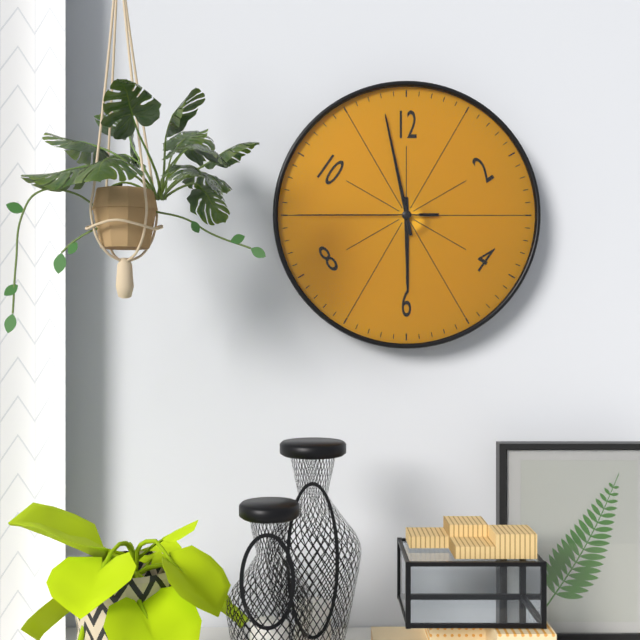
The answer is 5 h 58 min 45 s
